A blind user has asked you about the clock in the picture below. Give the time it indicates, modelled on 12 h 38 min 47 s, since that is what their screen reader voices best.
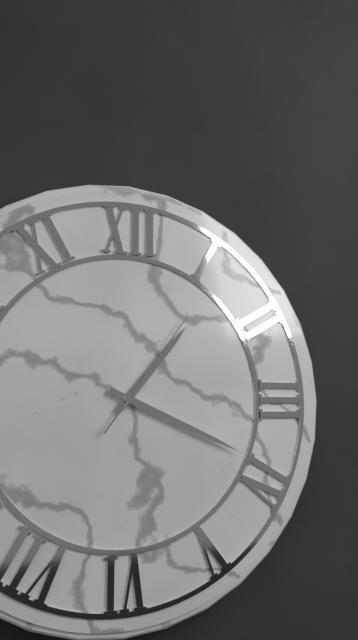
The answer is 1 h 19 min 06 s
